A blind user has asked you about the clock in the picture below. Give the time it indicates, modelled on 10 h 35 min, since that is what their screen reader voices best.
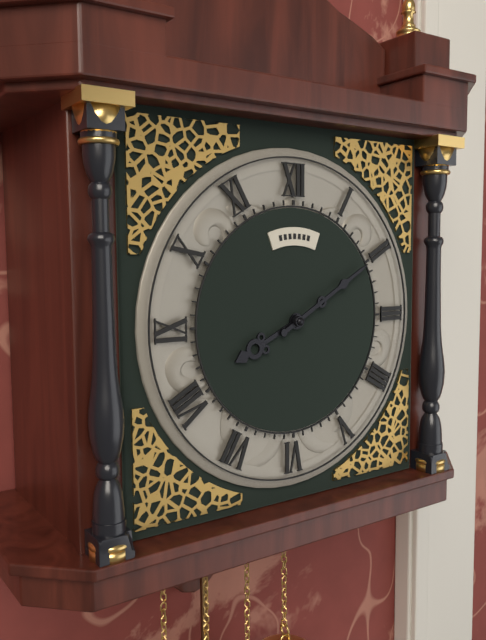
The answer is 8 h 10 min
